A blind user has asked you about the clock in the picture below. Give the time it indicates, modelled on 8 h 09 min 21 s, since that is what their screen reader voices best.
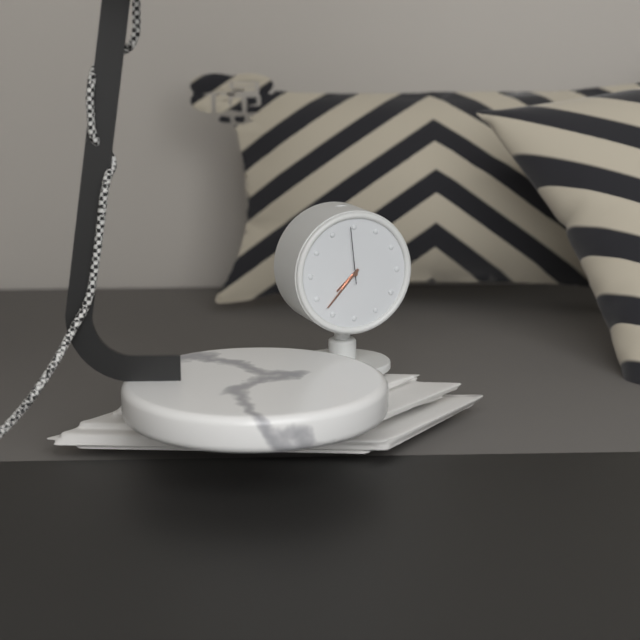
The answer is 7 h 37 min 59 s
